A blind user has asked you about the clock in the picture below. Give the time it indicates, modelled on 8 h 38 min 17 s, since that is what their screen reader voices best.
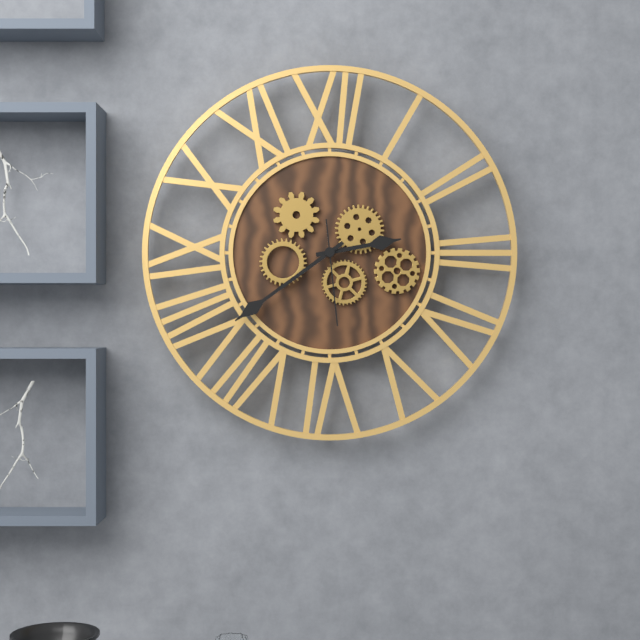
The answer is 2 h 39 min 29 s
